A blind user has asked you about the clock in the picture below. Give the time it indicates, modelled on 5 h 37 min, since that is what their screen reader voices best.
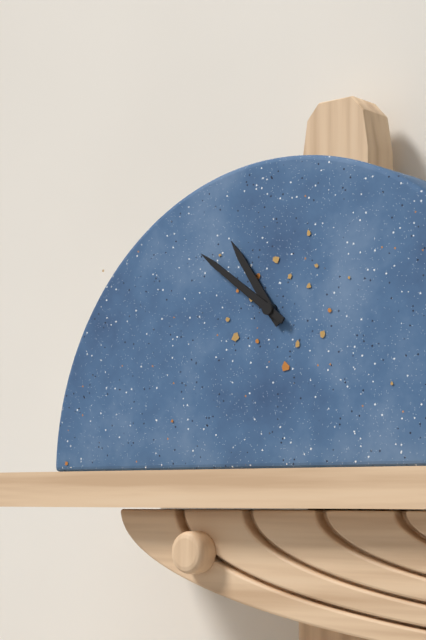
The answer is 10 h 51 min
